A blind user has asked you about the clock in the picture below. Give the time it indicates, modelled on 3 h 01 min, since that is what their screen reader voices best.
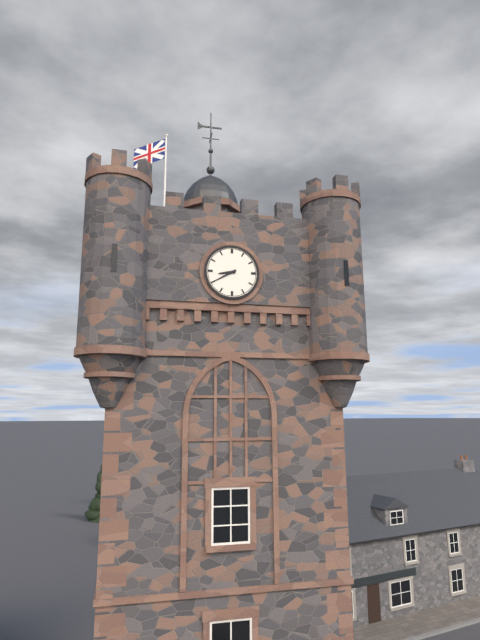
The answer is 8 h 40 min
